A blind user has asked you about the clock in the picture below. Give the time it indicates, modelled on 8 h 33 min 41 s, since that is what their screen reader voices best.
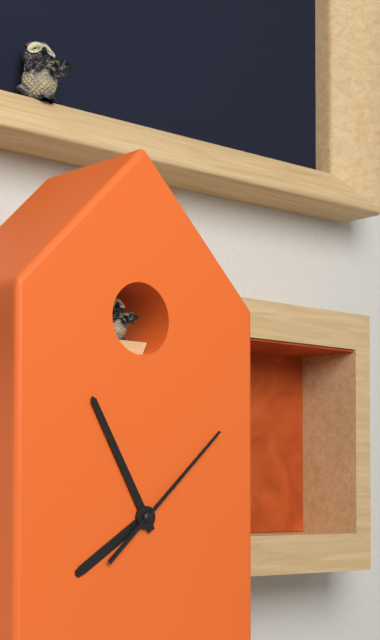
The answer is 7 h 55 min 08 s
